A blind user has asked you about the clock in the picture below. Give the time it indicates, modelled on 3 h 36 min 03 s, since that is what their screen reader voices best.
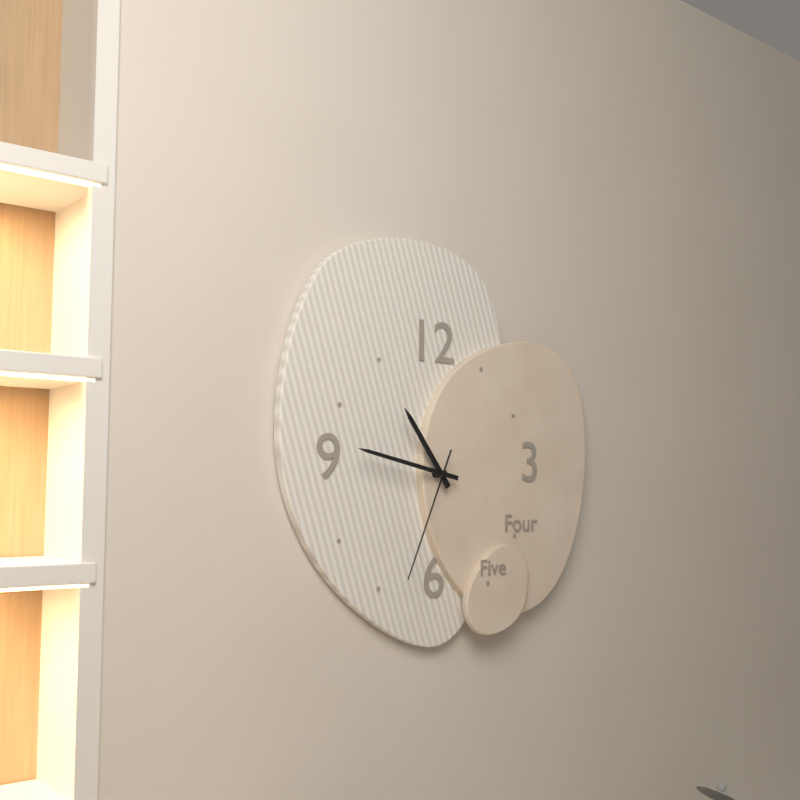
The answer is 10 h 47 min 34 s
